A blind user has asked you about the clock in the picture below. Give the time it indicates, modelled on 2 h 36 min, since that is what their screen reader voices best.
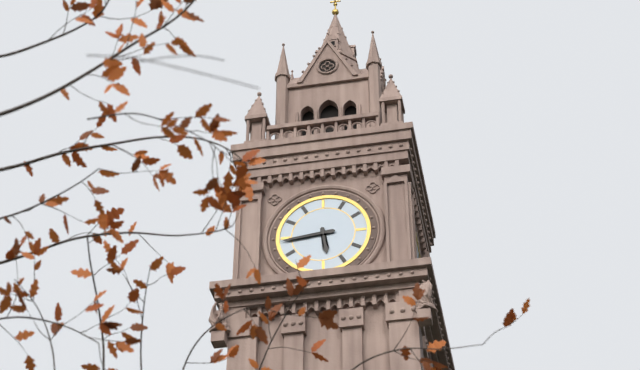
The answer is 5 h 44 min
